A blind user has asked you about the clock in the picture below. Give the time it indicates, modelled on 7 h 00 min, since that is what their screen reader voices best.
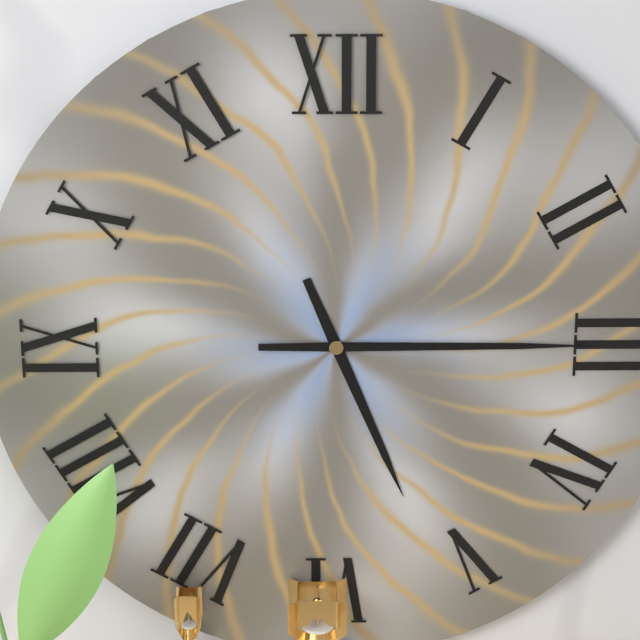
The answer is 5 h 15 min
